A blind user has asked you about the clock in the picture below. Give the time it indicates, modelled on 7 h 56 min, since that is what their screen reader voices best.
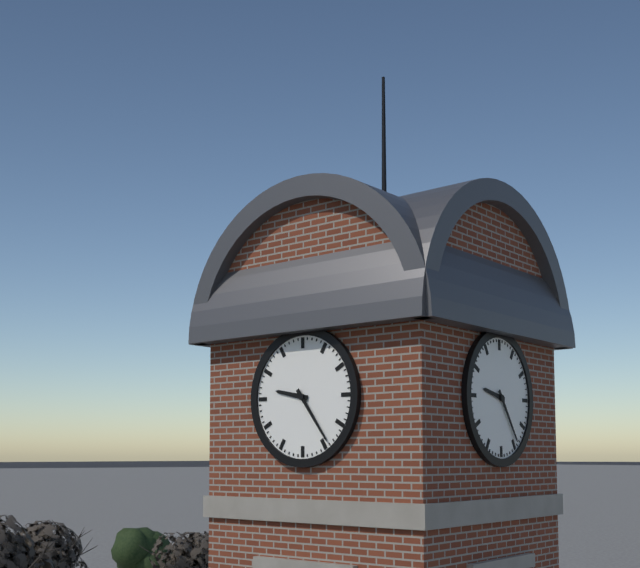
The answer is 9 h 24 min
